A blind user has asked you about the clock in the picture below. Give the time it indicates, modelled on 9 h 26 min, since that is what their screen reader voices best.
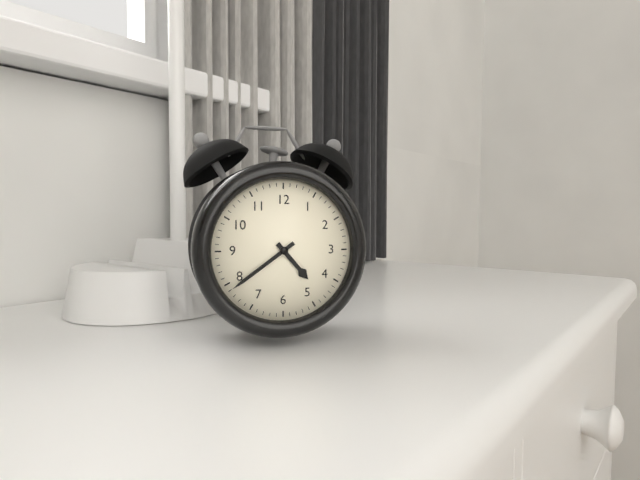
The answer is 4 h 39 min
